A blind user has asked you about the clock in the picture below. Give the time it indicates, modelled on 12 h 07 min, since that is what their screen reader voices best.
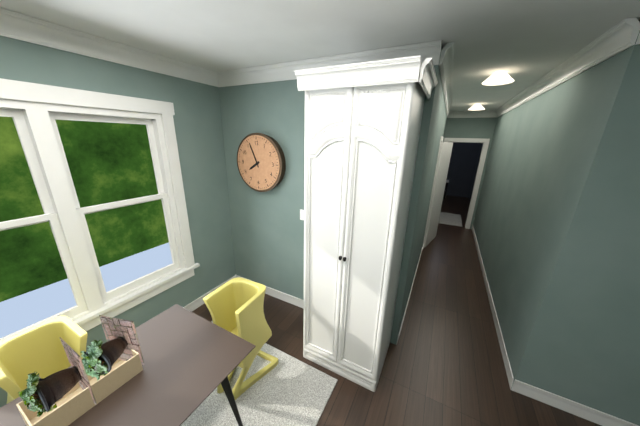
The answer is 7 h 56 min
